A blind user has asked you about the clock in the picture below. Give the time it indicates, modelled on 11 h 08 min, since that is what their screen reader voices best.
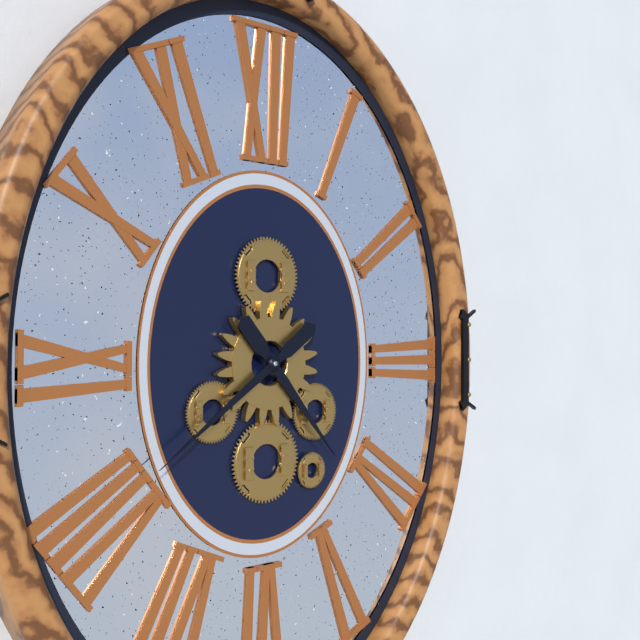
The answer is 4 h 39 min
